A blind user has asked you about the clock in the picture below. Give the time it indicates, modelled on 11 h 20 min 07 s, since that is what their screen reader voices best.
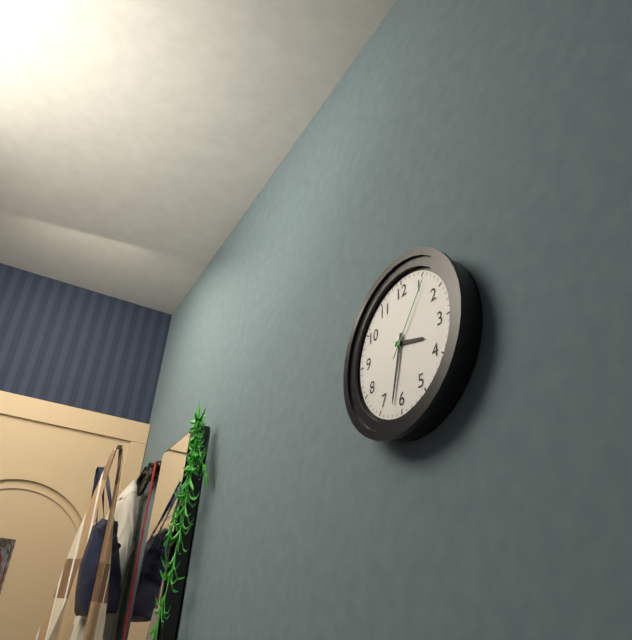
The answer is 3 h 32 min 06 s
